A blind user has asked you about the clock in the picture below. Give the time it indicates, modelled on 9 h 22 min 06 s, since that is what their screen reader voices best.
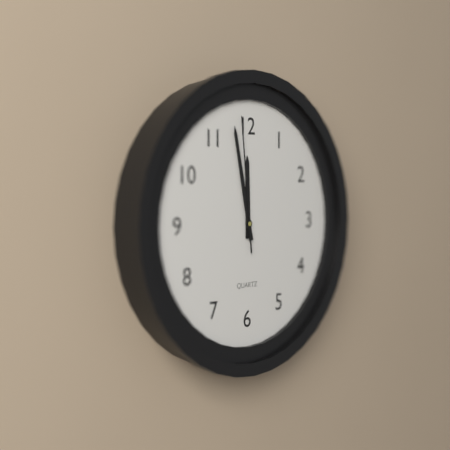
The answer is 11 h 58 min 59 s
